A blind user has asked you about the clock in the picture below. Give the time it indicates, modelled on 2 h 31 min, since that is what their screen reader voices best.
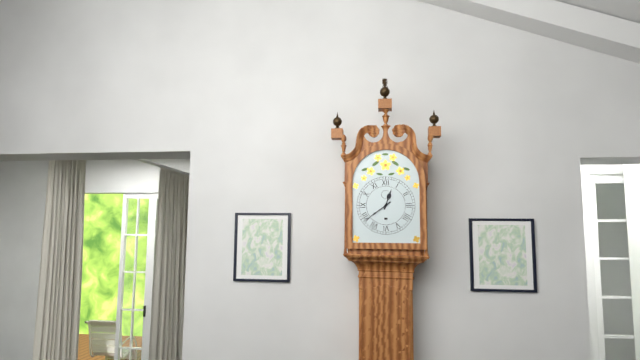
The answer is 12 h 39 min
